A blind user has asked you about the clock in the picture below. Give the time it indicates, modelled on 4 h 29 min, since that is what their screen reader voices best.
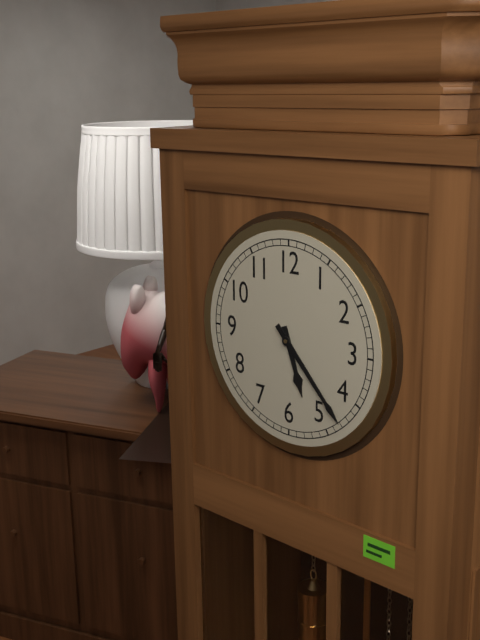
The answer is 5 h 23 min
